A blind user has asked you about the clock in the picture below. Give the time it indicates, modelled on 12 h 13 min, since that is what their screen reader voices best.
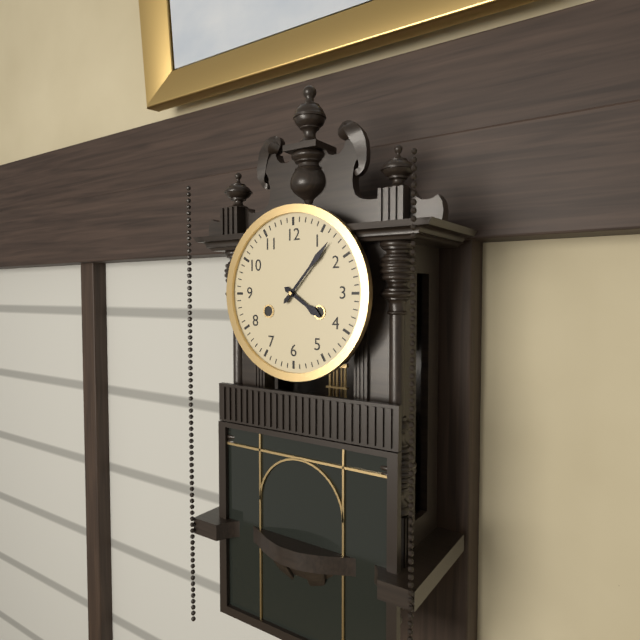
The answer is 4 h 07 min
